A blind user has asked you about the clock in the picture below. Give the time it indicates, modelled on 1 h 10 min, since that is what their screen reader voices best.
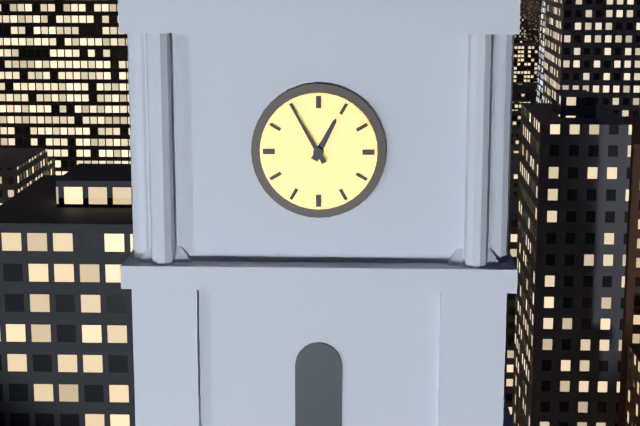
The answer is 12 h 55 min
